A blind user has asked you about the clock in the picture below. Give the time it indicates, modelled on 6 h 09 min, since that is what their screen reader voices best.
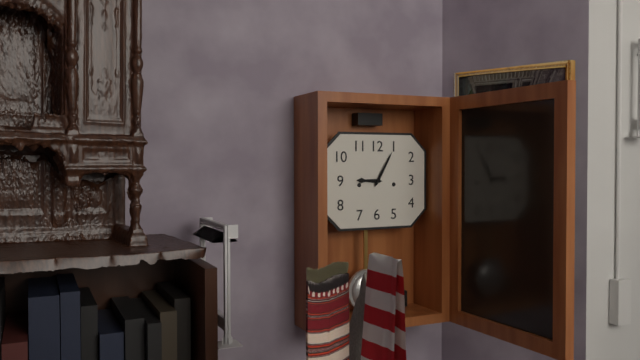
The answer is 9 h 05 min
